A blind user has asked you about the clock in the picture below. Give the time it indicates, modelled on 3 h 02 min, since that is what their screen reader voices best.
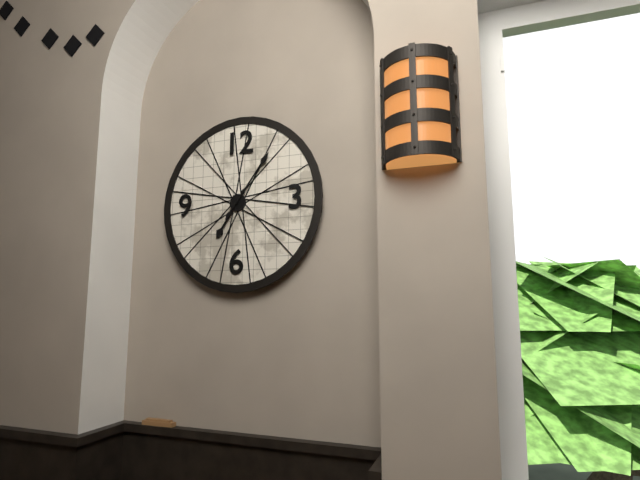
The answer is 7 h 06 min
